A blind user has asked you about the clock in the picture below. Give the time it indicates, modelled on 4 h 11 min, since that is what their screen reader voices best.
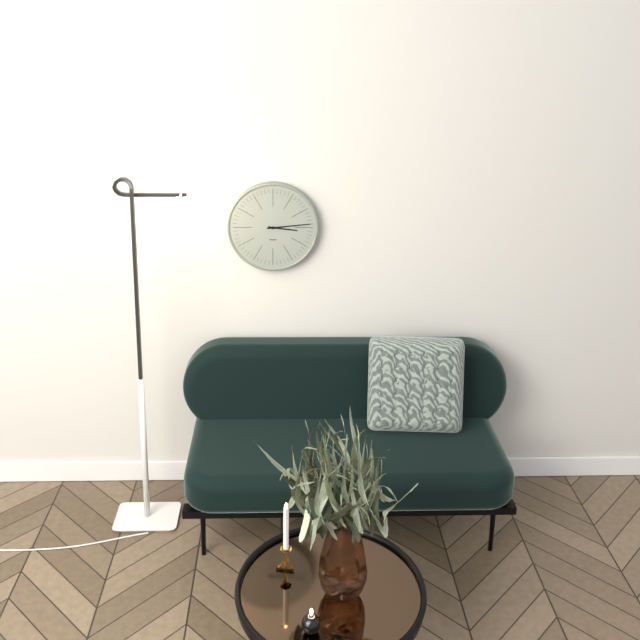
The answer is 3 h 14 min
